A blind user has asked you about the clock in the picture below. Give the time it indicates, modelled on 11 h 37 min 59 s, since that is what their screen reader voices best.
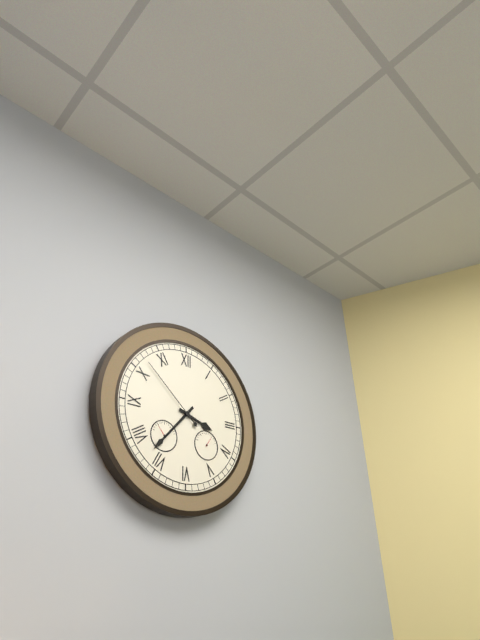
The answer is 3 h 37 min 52 s
